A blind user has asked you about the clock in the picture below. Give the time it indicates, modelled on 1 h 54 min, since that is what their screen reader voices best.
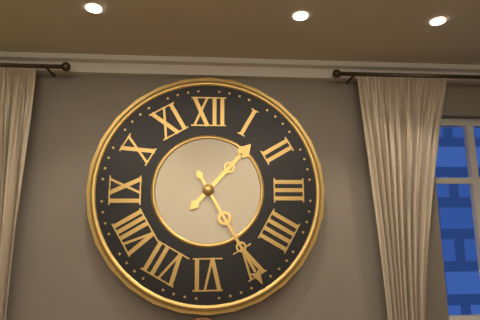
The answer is 1 h 25 min
